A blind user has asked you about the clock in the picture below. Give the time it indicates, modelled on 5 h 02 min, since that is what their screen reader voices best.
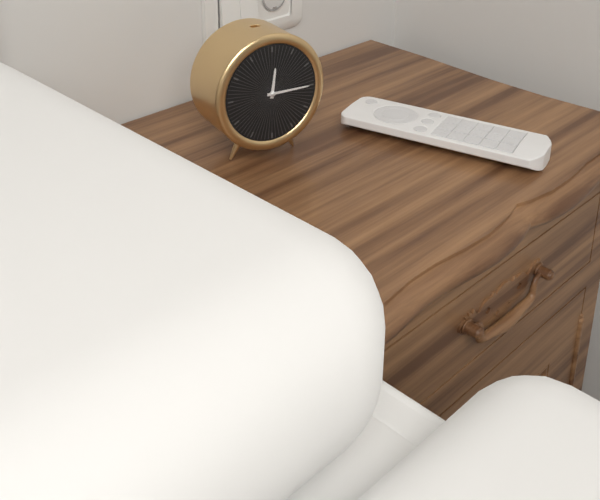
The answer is 12 h 15 min
